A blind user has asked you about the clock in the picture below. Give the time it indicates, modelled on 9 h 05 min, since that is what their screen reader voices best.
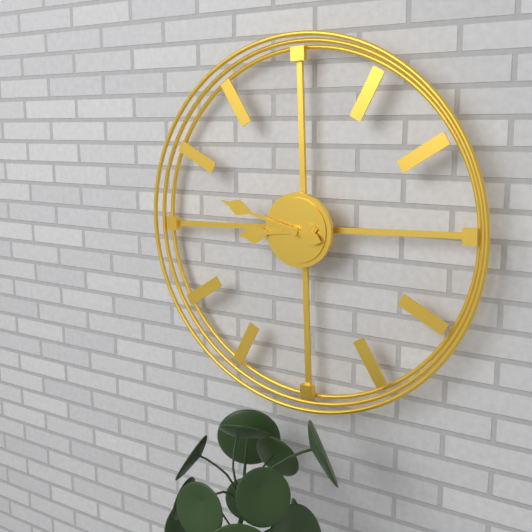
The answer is 8 h 48 min
